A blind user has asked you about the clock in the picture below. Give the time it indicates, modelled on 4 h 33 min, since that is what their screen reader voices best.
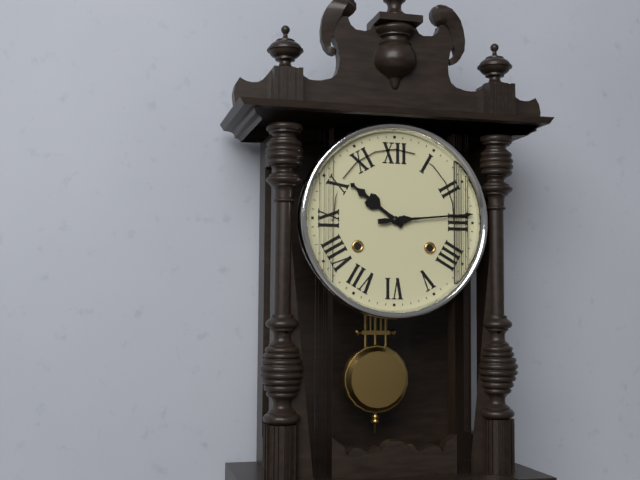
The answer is 10 h 14 min
